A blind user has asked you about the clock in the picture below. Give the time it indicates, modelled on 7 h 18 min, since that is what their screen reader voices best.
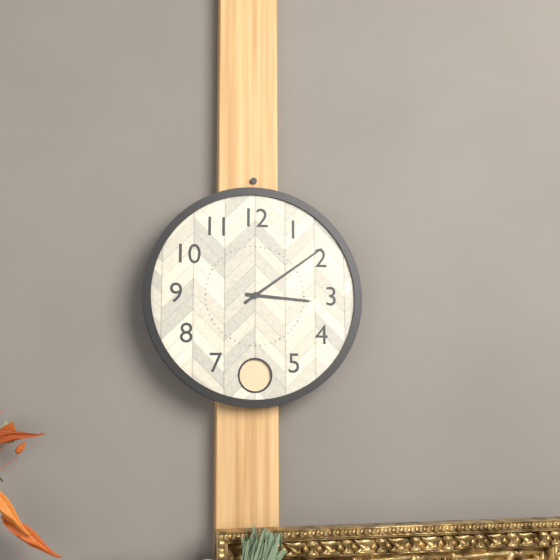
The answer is 3 h 09 min
